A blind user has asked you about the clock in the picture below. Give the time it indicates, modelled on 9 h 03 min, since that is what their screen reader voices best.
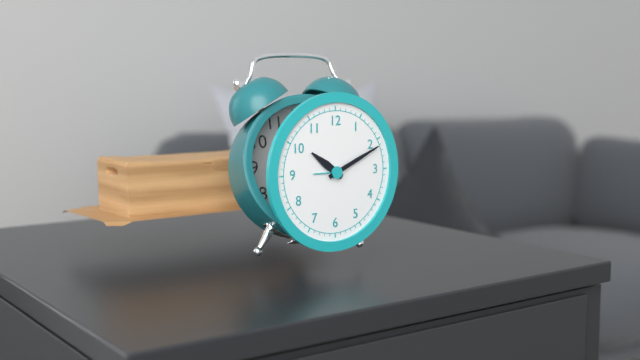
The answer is 10 h 11 min
